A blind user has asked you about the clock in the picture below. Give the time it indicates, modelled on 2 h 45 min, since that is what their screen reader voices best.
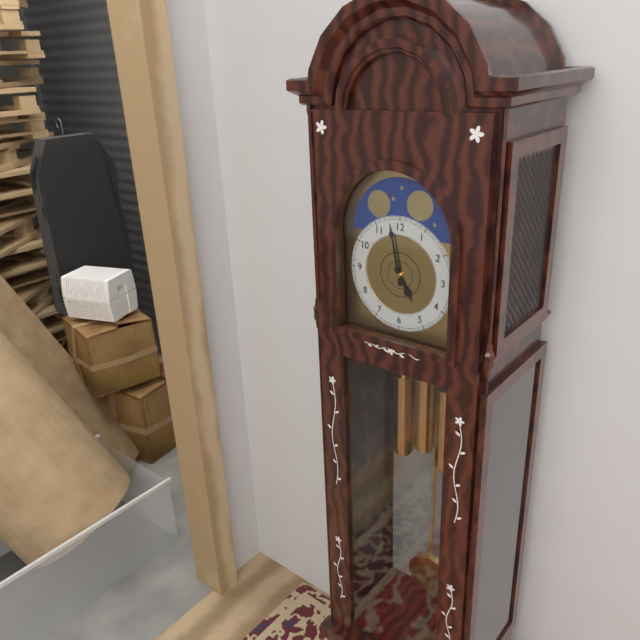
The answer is 4 h 58 min
